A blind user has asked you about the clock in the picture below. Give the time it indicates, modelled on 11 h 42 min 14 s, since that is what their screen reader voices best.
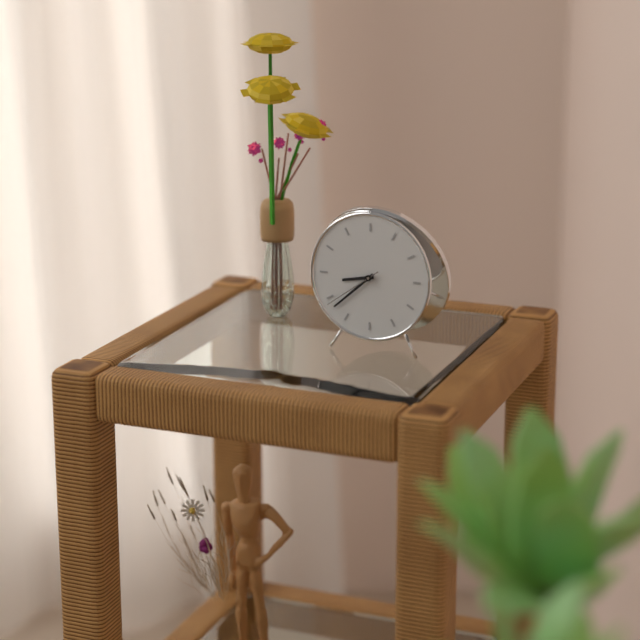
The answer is 8 h 38 min 39 s
